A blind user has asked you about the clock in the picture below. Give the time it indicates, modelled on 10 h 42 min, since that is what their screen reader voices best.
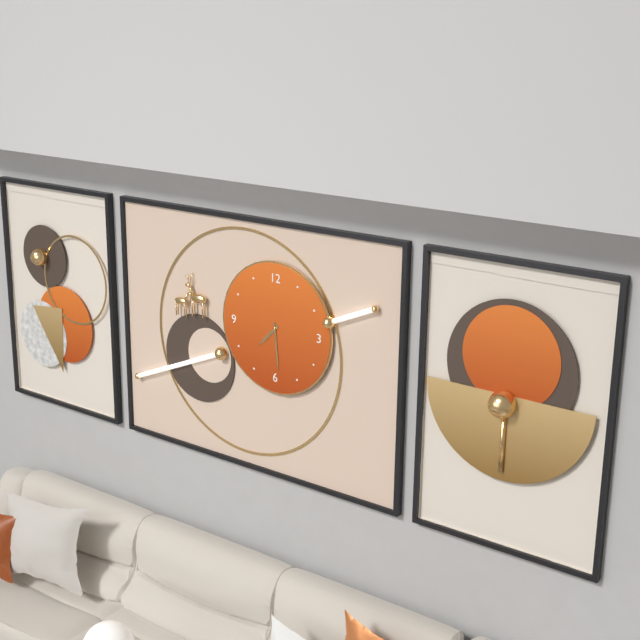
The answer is 7 h 29 min
